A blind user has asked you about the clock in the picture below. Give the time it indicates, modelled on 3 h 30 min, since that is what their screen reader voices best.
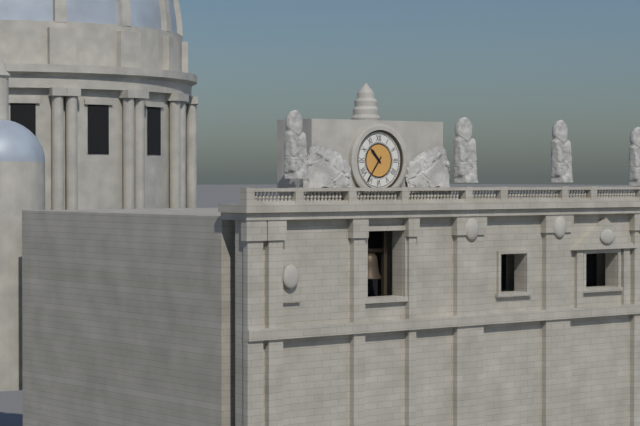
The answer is 10 h 36 min
